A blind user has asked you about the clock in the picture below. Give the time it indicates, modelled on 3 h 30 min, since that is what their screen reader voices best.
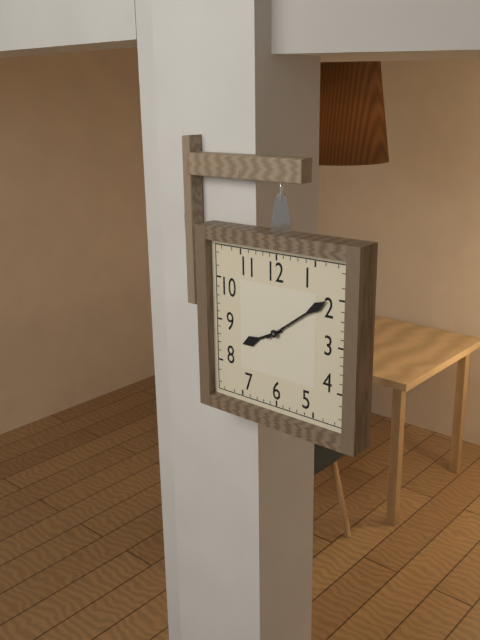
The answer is 8 h 09 min
